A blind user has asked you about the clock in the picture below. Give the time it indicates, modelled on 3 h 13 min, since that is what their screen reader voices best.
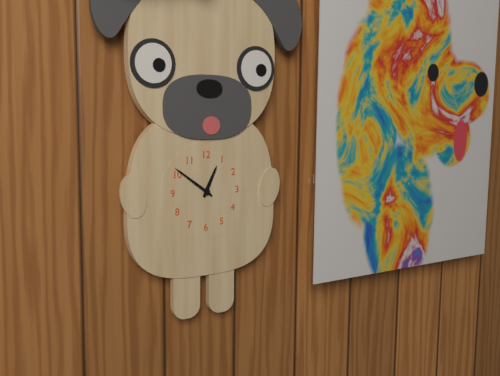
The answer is 12 h 51 min
